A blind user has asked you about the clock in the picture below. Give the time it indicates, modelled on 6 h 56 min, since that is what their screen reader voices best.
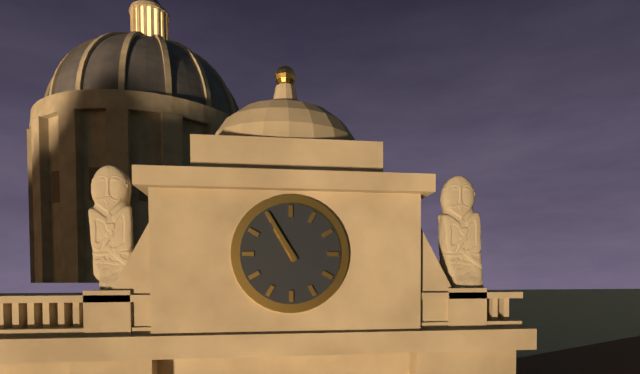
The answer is 10 h 55 min
